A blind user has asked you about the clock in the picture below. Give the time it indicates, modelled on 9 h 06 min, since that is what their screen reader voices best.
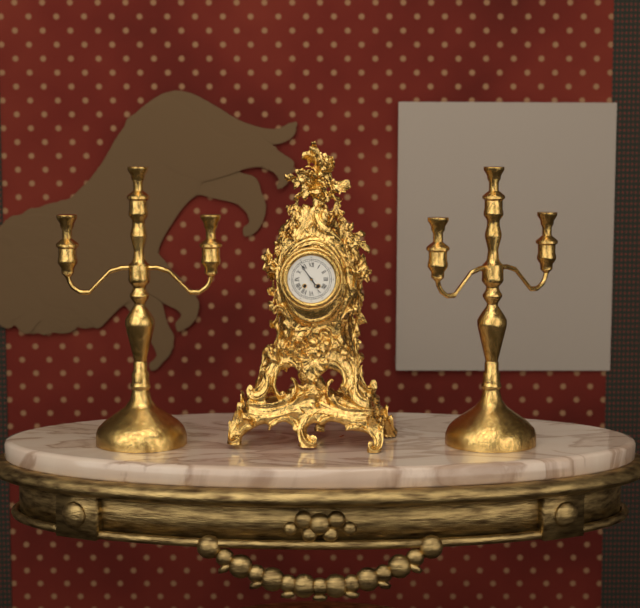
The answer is 4 h 54 min
